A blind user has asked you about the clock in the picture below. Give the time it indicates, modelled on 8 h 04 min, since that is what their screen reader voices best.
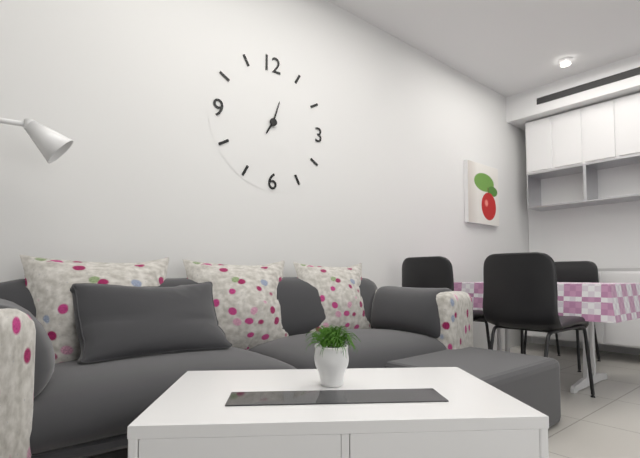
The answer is 7 h 03 min
